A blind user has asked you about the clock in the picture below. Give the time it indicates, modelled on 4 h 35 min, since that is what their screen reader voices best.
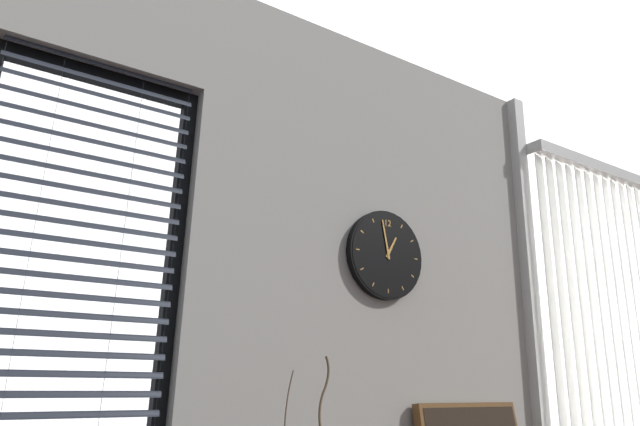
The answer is 12 h 58 min
